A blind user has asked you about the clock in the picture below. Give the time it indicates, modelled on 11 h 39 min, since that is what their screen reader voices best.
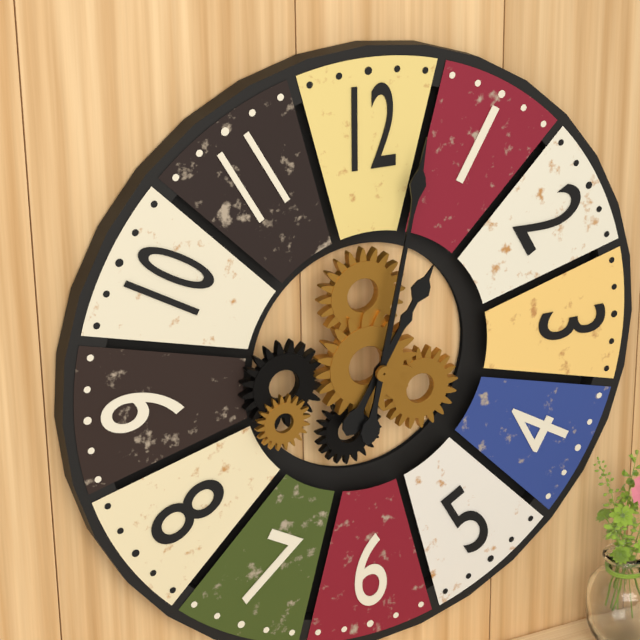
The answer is 1 h 02 min
